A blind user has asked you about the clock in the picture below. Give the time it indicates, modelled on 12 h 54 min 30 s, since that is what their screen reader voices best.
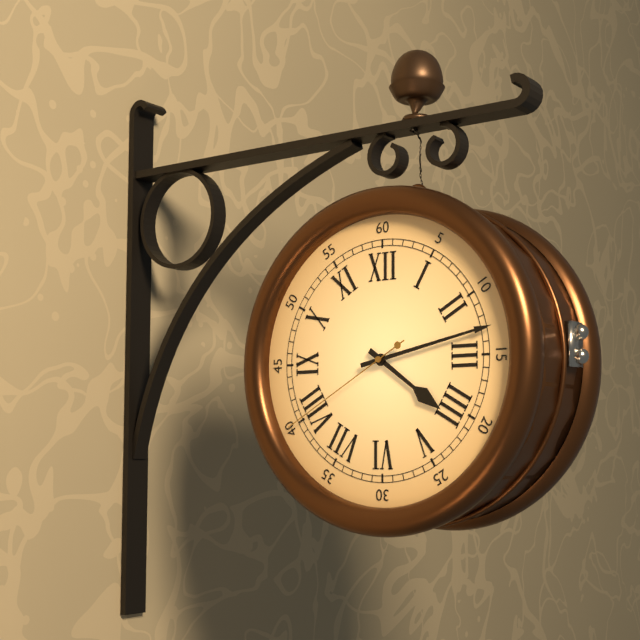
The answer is 4 h 13 min 40 s
